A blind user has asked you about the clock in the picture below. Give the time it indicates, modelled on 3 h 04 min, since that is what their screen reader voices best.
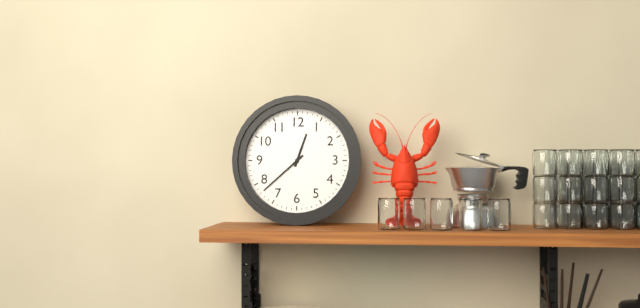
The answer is 12 h 38 min
